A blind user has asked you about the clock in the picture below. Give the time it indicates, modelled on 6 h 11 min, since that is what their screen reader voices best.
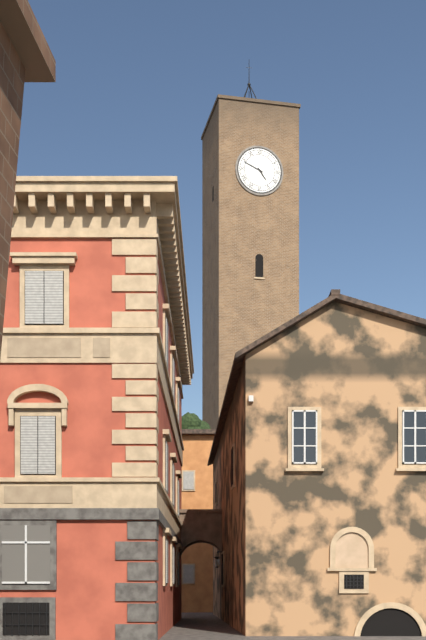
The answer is 4 h 49 min
